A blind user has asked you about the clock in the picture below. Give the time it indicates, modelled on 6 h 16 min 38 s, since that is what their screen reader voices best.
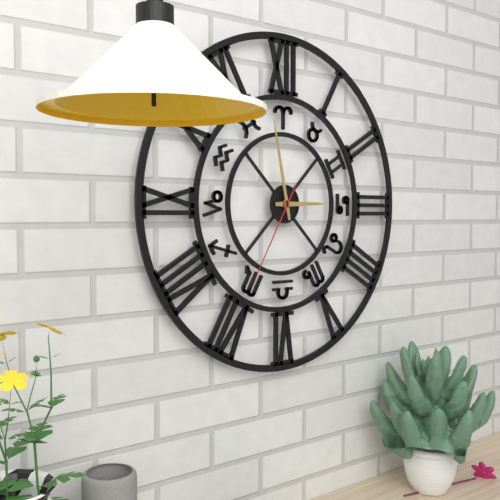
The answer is 2 h 58 min 35 s
